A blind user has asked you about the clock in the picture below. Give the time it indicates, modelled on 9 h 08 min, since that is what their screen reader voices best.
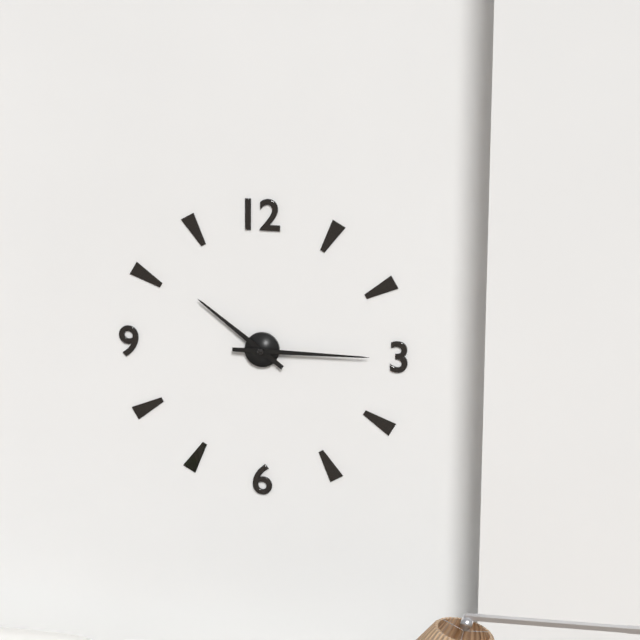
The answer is 10 h 15 min
